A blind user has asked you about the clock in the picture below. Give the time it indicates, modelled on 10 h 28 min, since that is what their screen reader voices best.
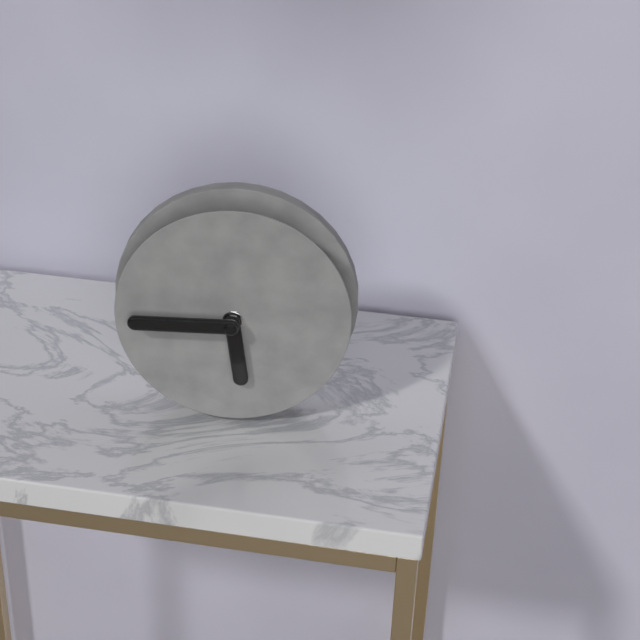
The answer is 5 h 45 min
